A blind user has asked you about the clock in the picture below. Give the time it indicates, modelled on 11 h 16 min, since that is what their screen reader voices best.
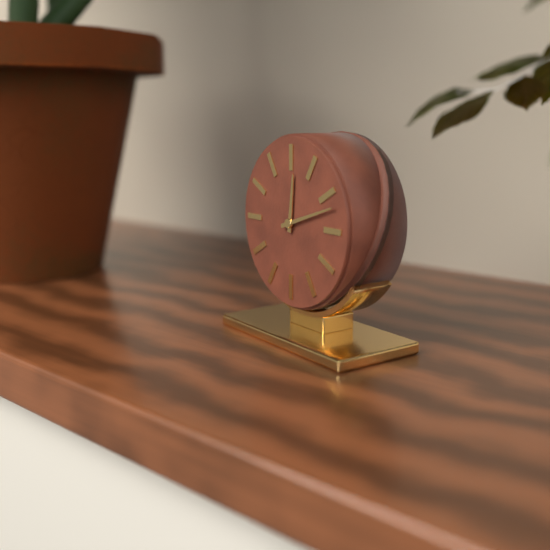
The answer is 12 h 12 min
